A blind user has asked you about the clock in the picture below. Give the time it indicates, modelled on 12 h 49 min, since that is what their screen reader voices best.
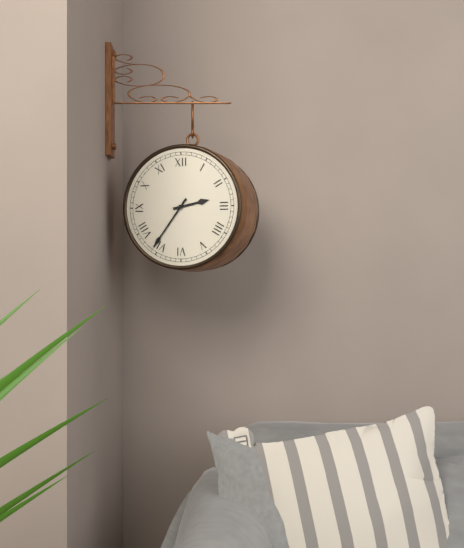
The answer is 2 h 36 min
